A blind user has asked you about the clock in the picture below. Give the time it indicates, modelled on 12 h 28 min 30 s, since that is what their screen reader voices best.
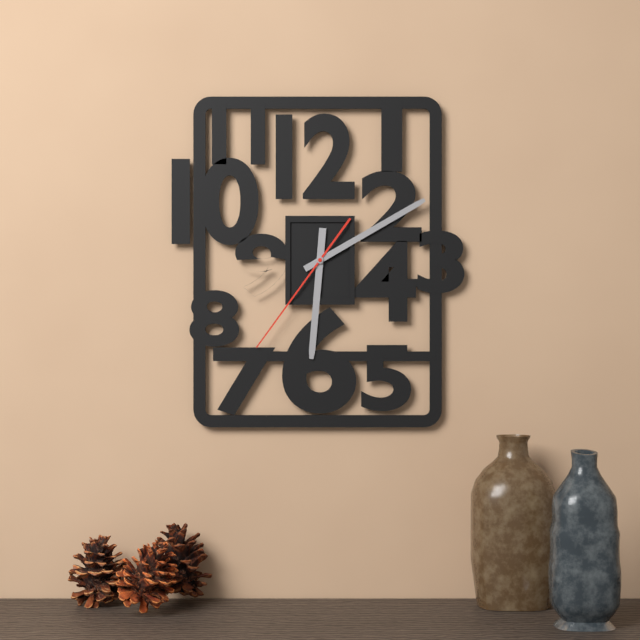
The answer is 6 h 10 min 36 s
